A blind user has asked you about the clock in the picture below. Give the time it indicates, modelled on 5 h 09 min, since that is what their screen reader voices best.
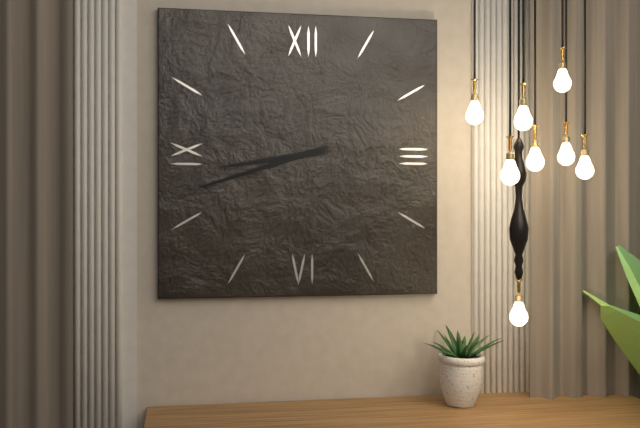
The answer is 8 h 42 min
